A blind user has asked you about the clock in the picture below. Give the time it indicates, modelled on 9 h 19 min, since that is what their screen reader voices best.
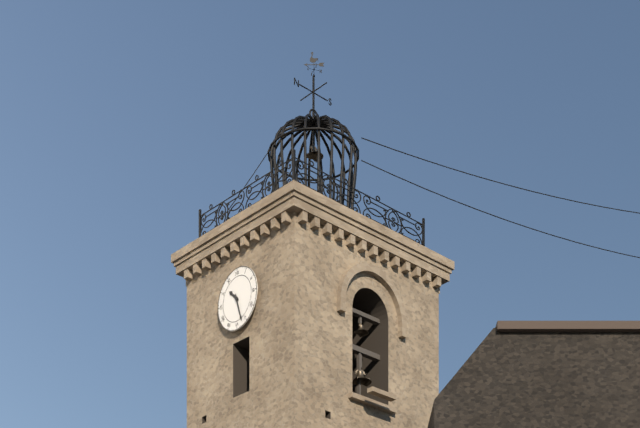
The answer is 10 h 27 min
